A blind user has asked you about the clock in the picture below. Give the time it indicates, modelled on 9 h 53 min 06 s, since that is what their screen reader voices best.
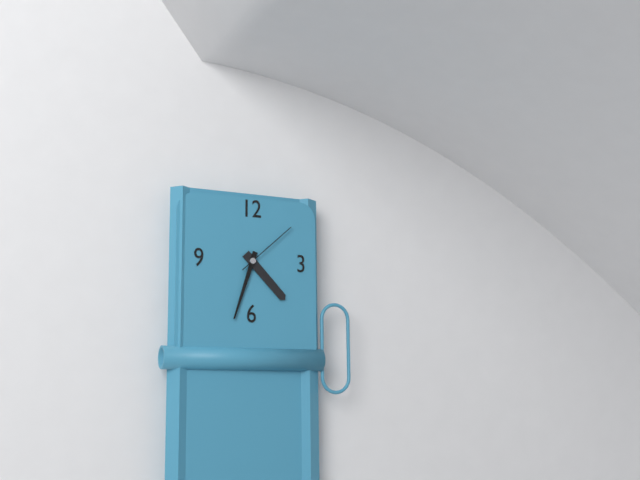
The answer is 4 h 33 min 08 s
